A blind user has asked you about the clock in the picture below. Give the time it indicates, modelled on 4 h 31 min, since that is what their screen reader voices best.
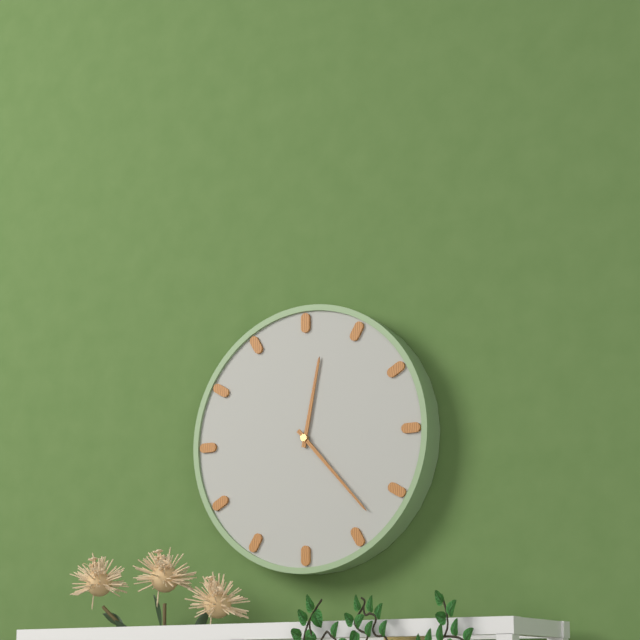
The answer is 12 h 23 min
